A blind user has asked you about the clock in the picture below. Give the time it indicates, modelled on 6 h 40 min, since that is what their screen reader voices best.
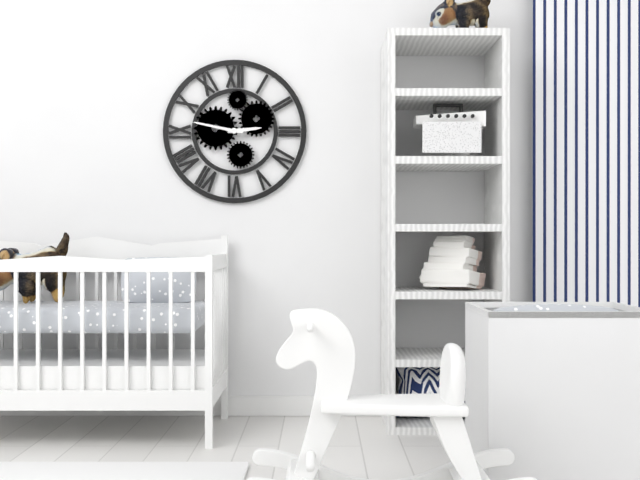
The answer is 2 h 47 min
